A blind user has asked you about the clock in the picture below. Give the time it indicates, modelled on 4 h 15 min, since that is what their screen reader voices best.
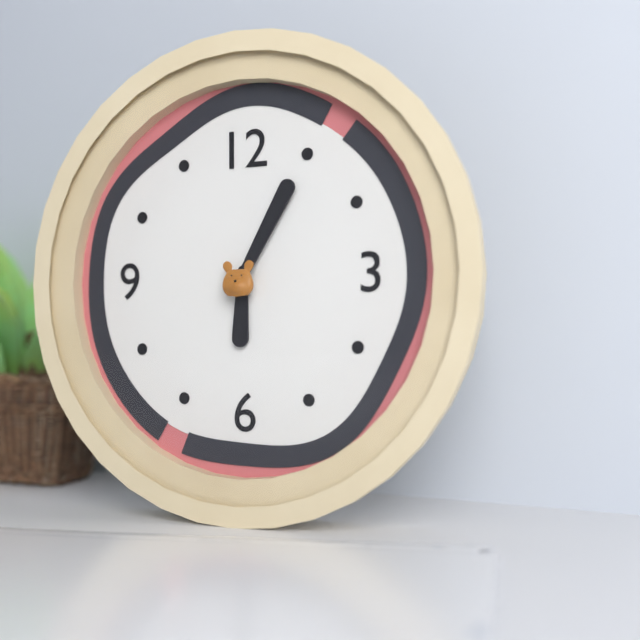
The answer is 6 h 05 min
